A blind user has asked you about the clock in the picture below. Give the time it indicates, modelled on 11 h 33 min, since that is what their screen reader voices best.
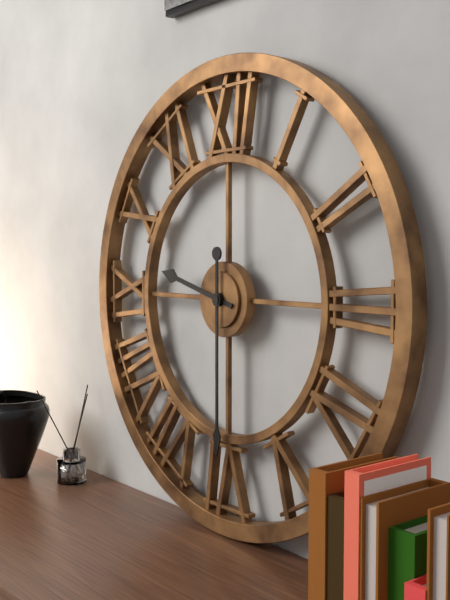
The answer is 9 h 30 min
